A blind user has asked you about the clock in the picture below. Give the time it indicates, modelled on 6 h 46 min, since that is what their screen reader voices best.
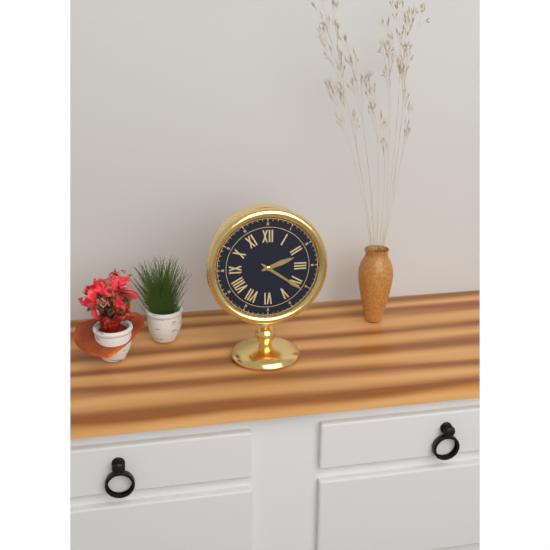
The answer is 2 h 21 min
